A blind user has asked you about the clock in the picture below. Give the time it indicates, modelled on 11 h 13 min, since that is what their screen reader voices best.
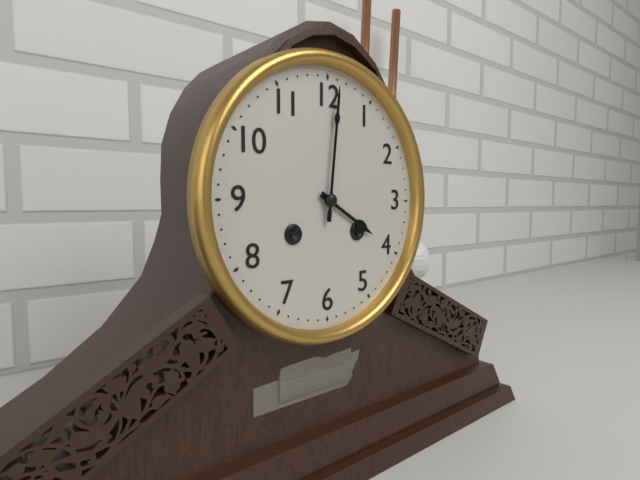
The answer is 4 h 01 min
